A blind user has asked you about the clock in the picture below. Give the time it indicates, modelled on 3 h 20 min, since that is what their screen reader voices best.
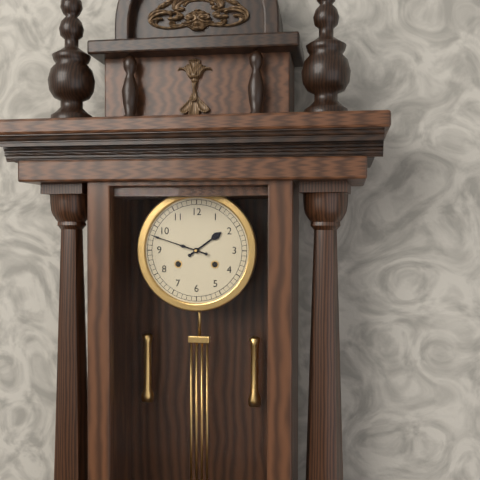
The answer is 1 h 48 min
